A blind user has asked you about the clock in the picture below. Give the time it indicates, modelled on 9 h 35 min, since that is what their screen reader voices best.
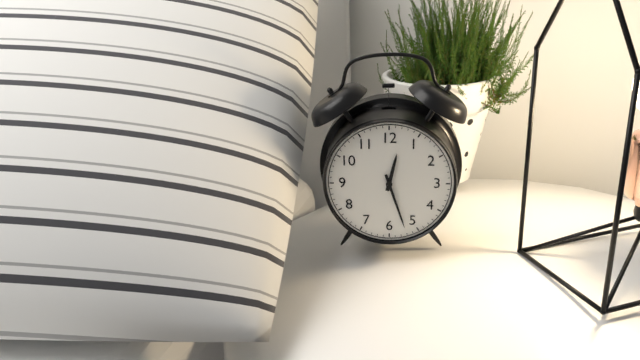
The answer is 12 h 27 min
